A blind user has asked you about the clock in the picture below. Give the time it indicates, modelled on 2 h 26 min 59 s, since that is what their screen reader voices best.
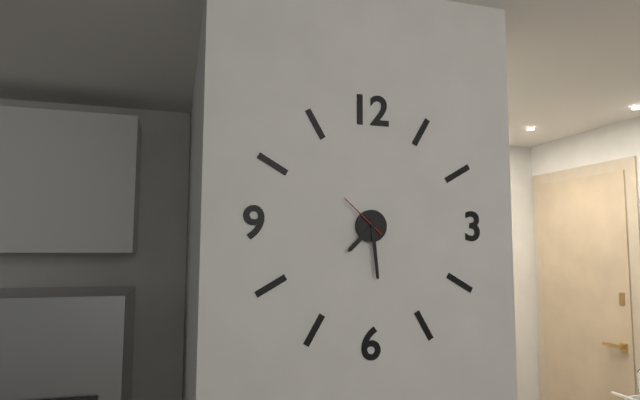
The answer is 7 h 29 min 52 s
